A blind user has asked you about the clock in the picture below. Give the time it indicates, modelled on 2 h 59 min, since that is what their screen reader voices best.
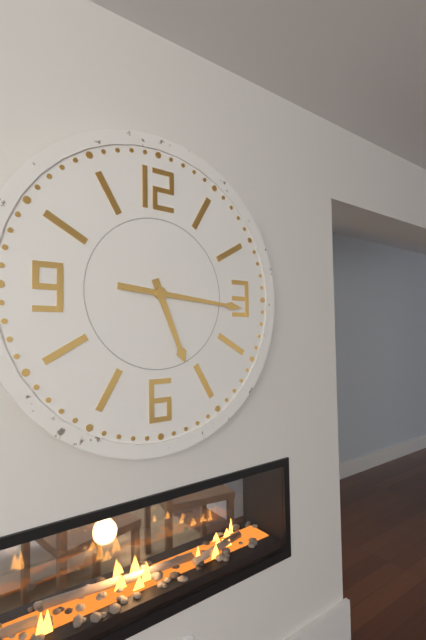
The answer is 5 h 16 min
